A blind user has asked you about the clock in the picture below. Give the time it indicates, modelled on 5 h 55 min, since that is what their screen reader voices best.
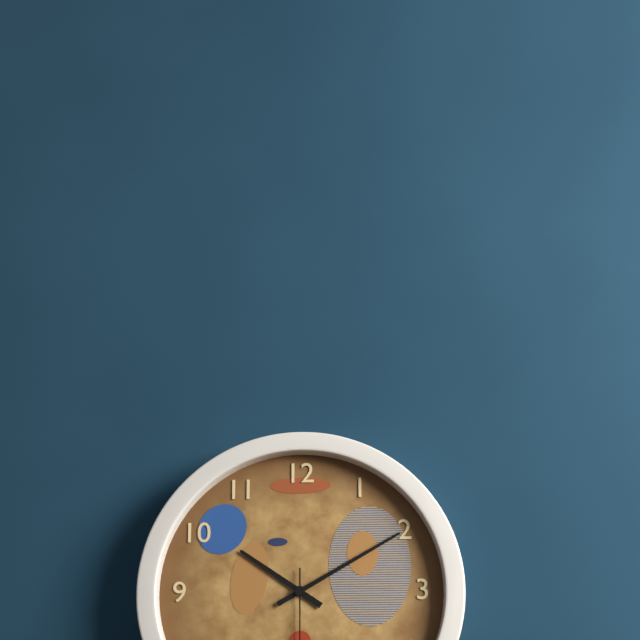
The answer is 10 h 10 min
